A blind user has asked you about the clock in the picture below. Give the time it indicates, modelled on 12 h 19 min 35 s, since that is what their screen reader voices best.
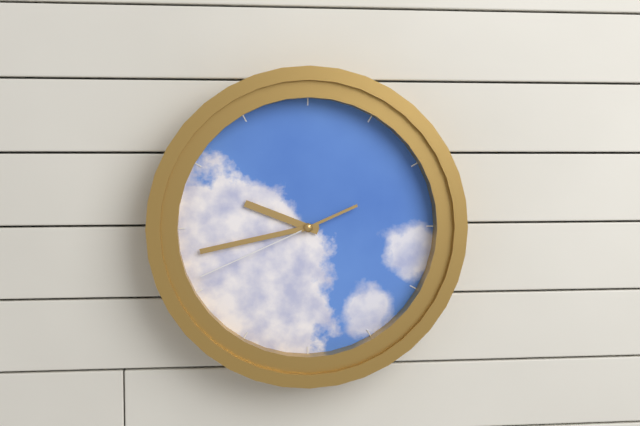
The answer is 9 h 43 min 41 s
